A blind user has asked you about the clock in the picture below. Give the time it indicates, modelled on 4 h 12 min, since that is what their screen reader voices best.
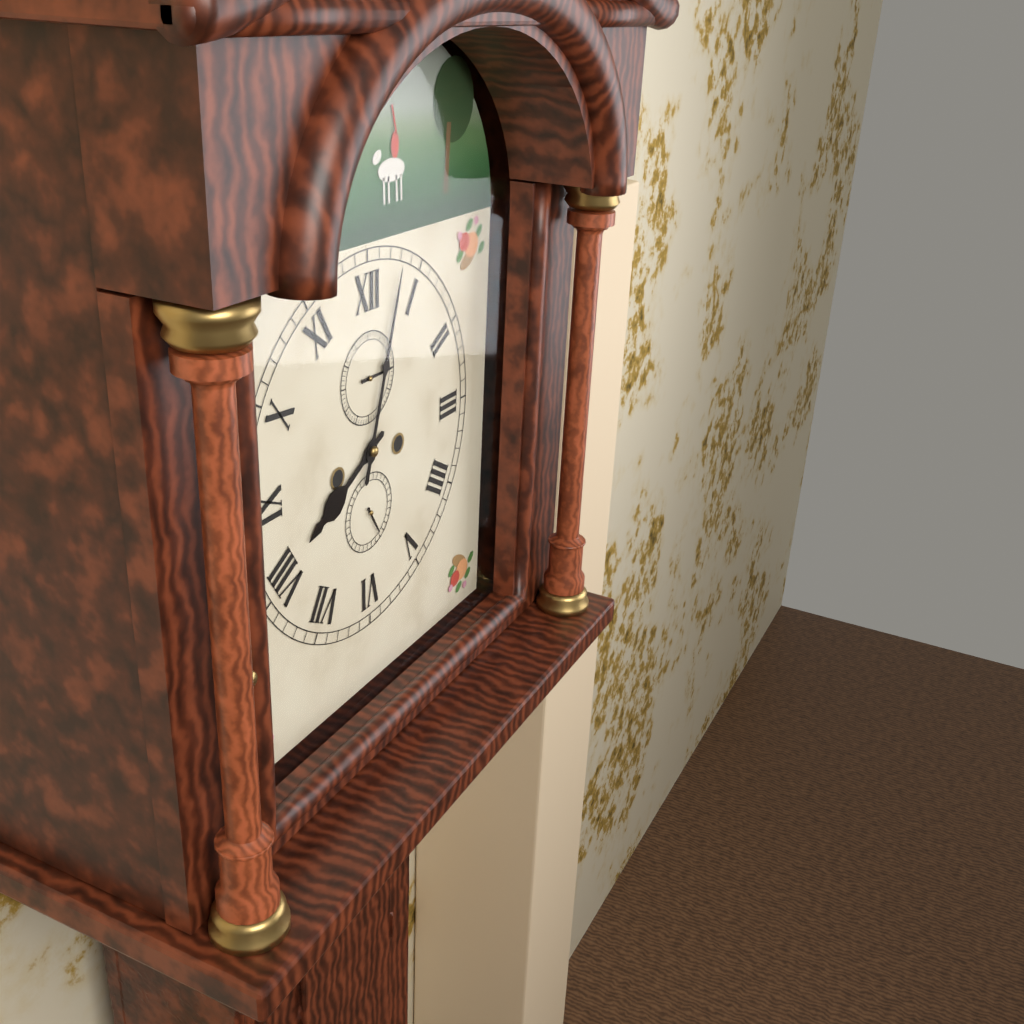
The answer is 8 h 03 min
